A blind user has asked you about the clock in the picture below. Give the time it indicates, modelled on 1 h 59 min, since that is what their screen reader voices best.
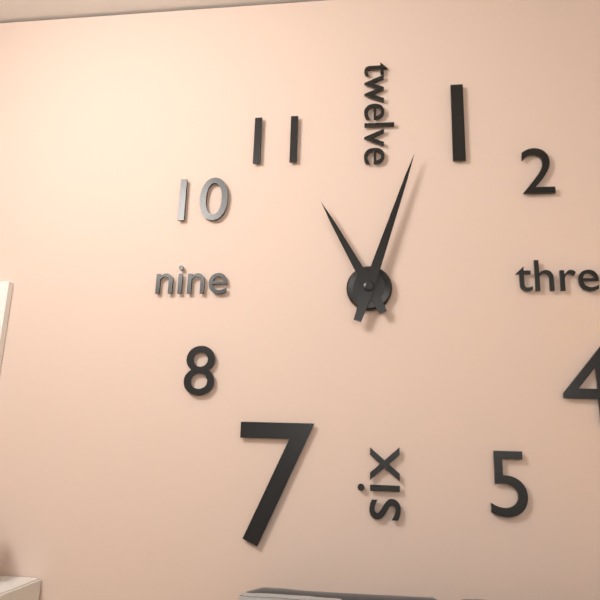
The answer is 11 h 03 min
